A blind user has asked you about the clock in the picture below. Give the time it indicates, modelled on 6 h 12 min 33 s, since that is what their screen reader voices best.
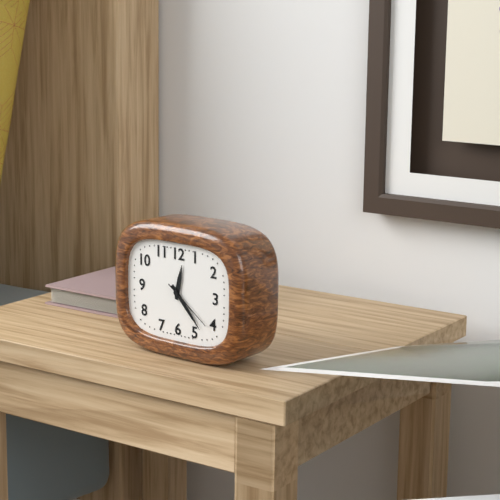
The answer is 12 h 23 min 21 s
